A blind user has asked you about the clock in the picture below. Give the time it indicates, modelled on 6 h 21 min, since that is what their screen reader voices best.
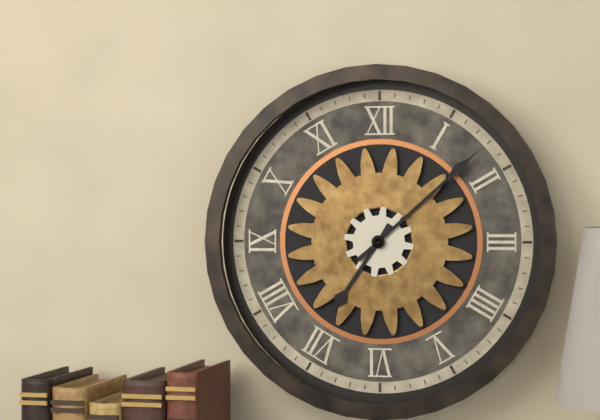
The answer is 7 h 08 min
